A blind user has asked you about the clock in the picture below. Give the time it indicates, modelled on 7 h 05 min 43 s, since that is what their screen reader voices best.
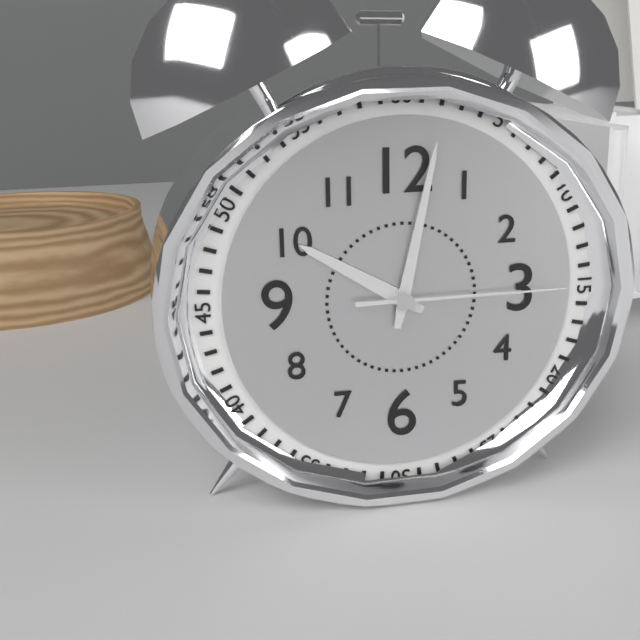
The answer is 10 h 02 min 15 s
